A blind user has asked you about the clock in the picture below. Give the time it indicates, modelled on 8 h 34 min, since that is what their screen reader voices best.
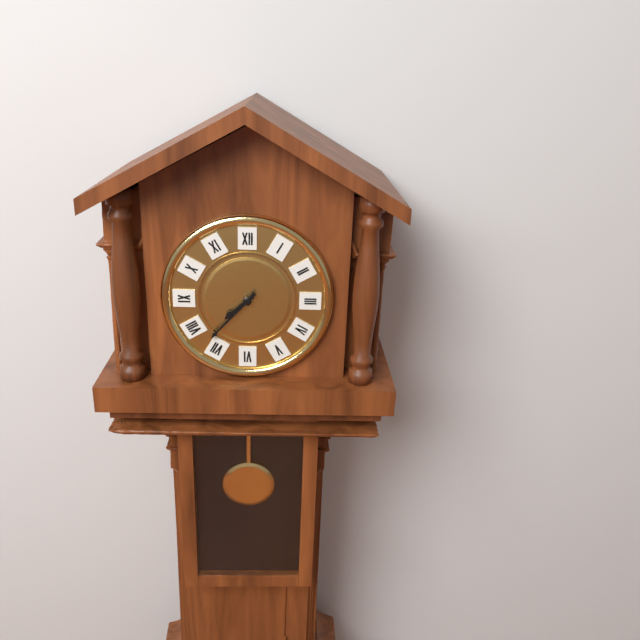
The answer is 7 h 37 min
